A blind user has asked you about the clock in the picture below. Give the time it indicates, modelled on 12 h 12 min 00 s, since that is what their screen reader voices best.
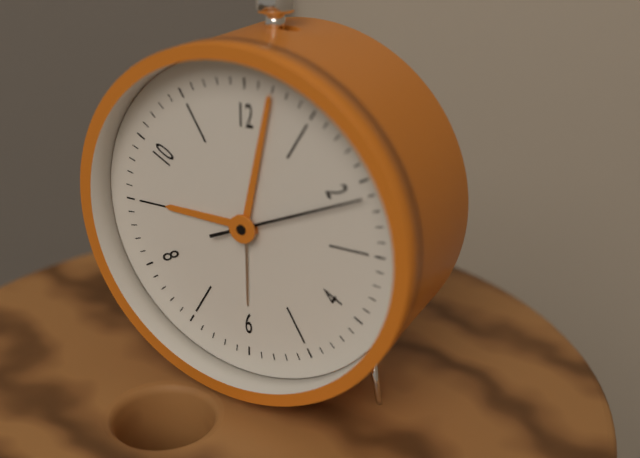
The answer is 9 h 02 min 11 s
